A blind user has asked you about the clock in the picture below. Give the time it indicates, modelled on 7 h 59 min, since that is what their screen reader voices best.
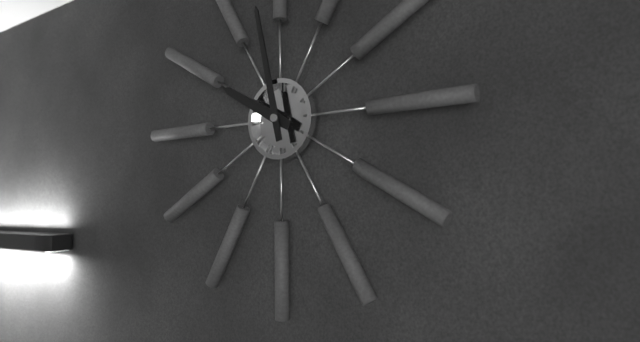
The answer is 9 h 58 min
